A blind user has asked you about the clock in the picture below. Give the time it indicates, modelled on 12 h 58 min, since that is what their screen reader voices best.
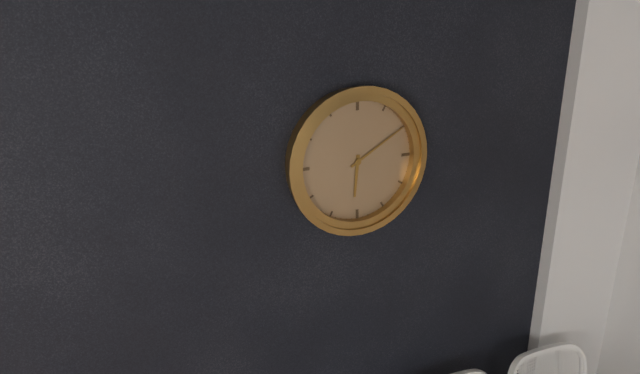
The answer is 6 h 10 min
